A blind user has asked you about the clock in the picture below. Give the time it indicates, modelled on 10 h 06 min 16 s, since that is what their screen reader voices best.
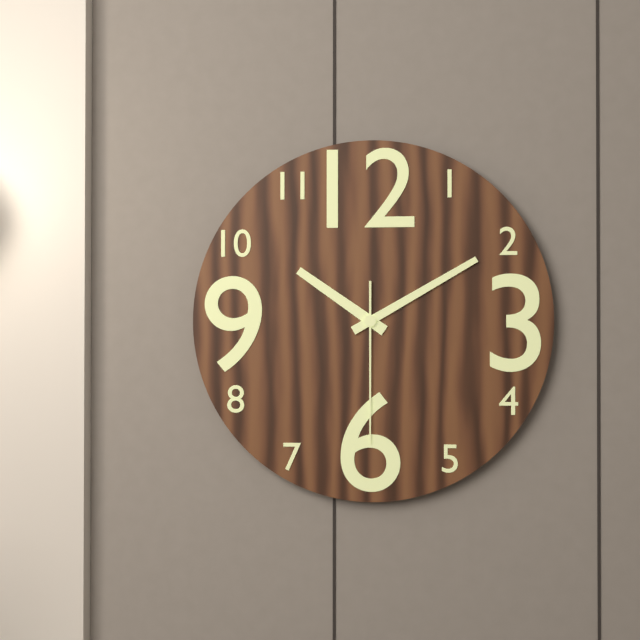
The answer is 10 h 10 min 30 s
